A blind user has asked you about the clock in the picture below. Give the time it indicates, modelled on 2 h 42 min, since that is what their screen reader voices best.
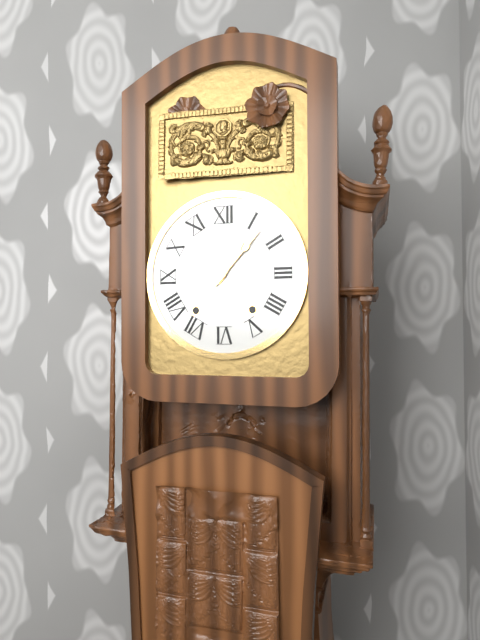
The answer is 1 h 07 min
